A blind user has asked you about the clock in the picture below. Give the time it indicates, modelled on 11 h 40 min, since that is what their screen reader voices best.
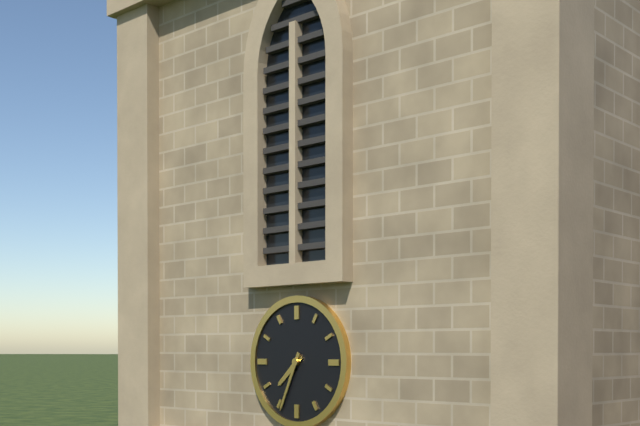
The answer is 7 h 34 min
